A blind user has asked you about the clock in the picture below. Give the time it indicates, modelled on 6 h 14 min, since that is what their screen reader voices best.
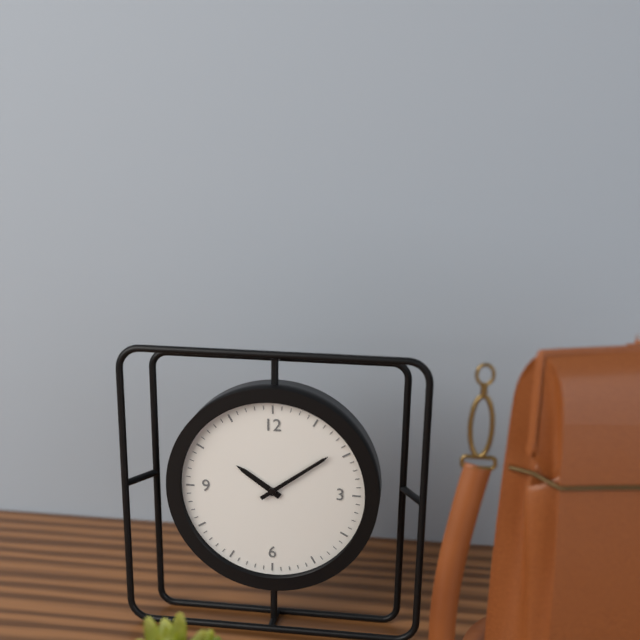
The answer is 10 h 09 min
